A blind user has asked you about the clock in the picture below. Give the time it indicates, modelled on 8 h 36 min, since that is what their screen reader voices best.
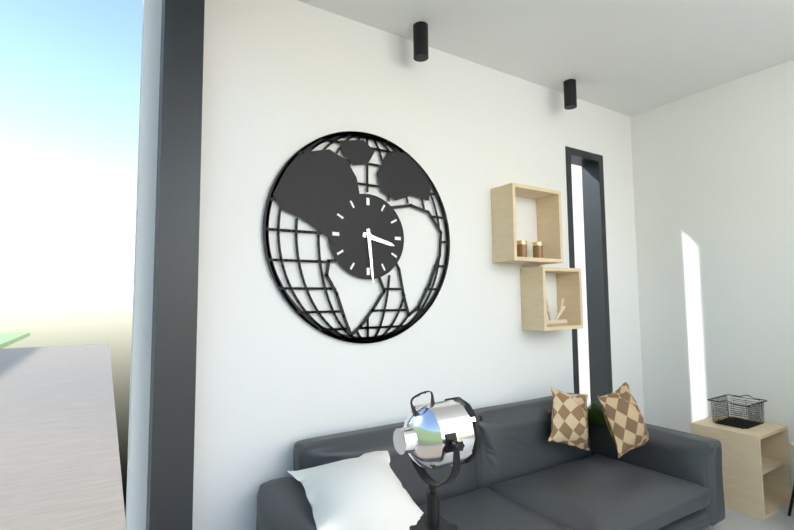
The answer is 3 h 29 min
